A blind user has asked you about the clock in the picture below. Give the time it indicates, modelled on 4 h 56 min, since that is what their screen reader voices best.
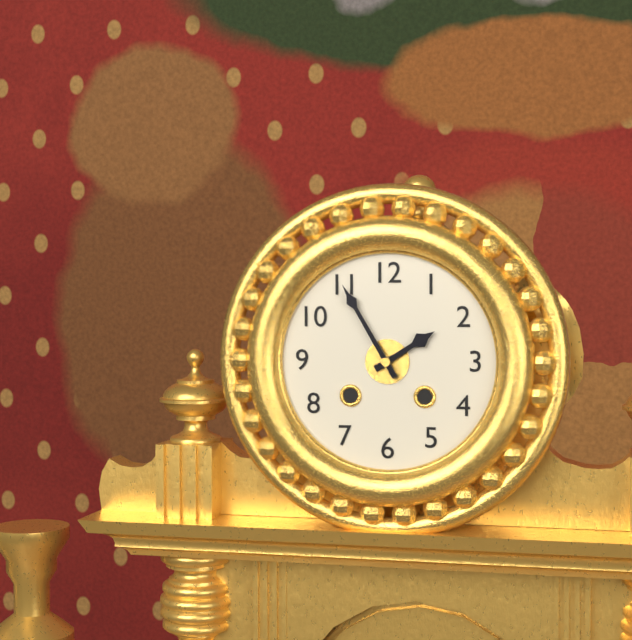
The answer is 1 h 55 min
